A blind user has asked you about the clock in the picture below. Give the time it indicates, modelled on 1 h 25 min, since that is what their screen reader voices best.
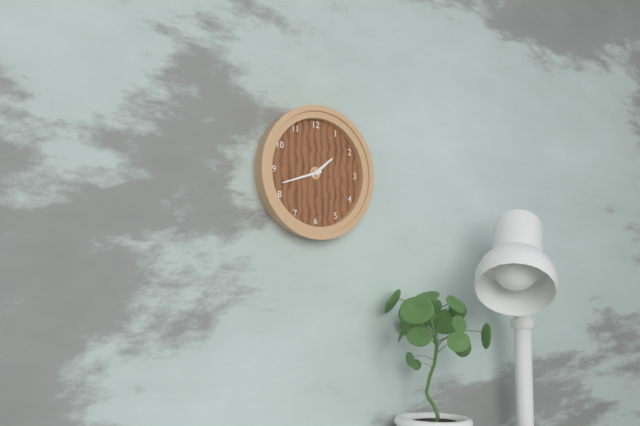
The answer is 1 h 42 min
